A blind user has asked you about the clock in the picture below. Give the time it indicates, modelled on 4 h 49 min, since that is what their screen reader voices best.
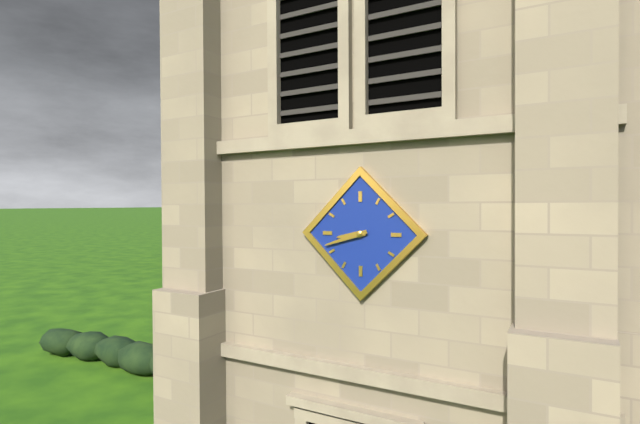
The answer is 8 h 42 min
